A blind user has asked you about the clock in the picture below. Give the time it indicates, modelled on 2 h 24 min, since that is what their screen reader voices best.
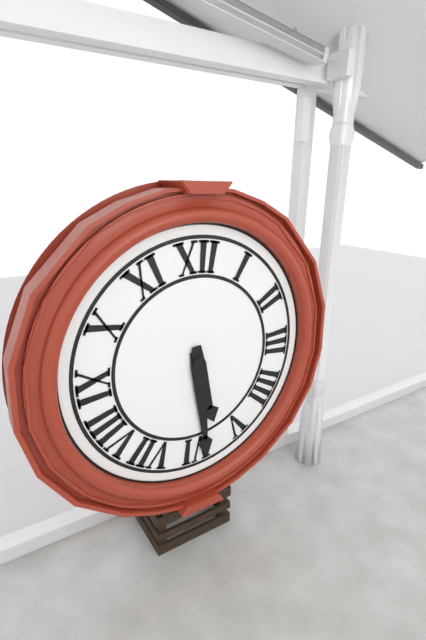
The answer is 5 h 29 min
